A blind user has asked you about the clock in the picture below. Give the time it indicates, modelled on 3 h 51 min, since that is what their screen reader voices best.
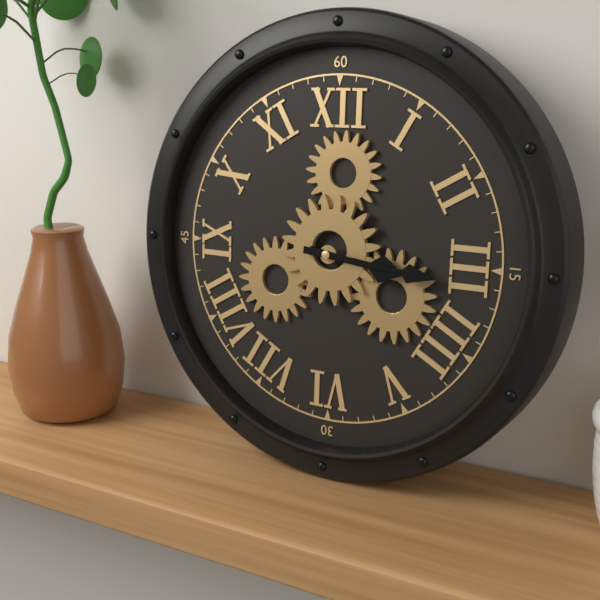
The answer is 3 h 16 min
